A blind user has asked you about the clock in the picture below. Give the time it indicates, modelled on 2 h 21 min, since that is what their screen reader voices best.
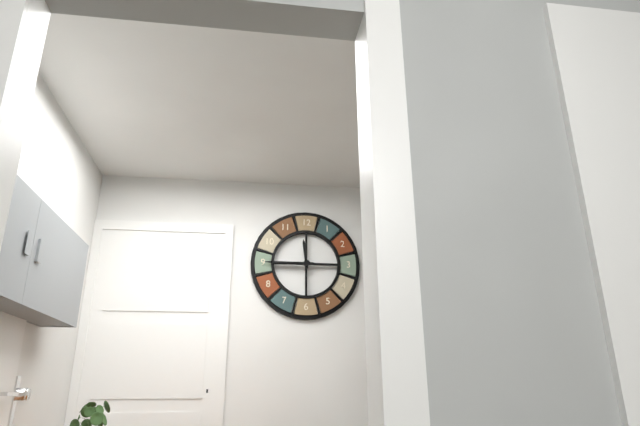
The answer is 11 h 45 min
